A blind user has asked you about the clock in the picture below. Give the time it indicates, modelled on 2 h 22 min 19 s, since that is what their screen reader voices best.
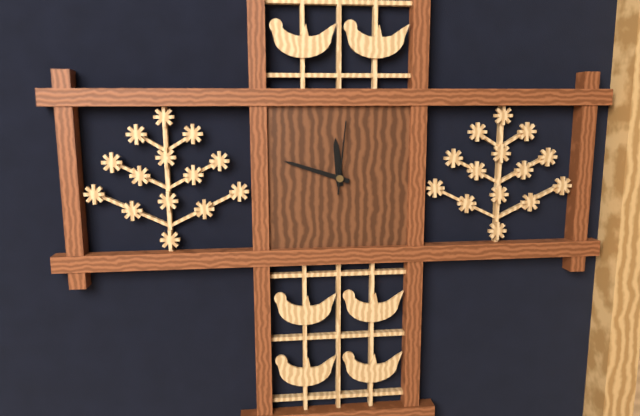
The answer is 11 h 48 min 01 s
